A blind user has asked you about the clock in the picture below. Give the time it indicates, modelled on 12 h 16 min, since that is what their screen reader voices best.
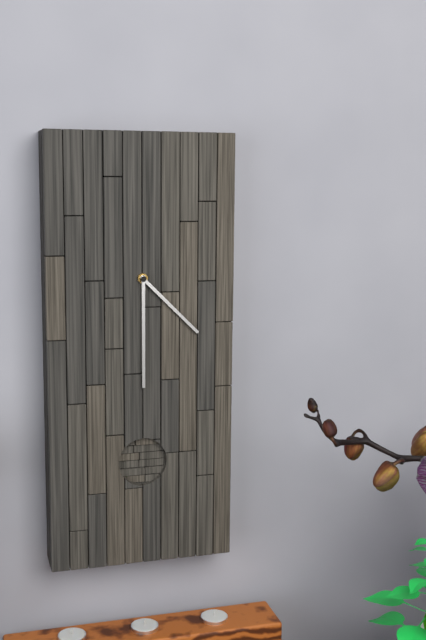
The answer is 4 h 30 min
